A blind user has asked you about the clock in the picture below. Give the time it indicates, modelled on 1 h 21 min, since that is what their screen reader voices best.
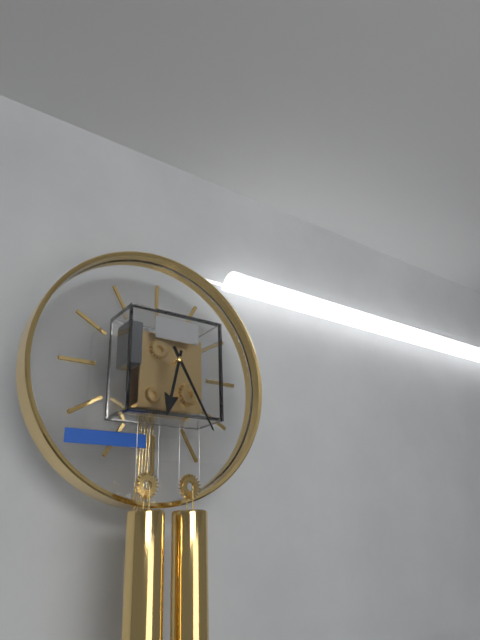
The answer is 6 h 25 min
